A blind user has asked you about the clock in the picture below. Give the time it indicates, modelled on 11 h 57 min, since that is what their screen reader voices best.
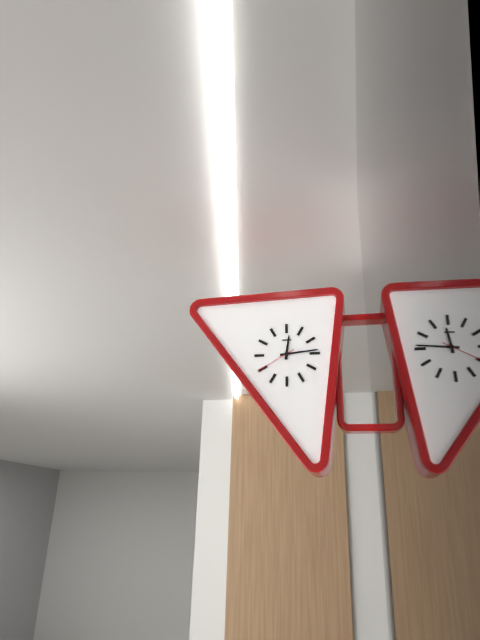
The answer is 12 h 14 min
